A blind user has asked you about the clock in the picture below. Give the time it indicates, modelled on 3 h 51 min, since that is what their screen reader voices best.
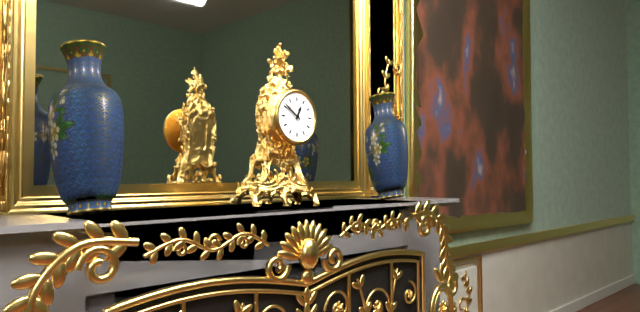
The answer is 12 h 51 min
